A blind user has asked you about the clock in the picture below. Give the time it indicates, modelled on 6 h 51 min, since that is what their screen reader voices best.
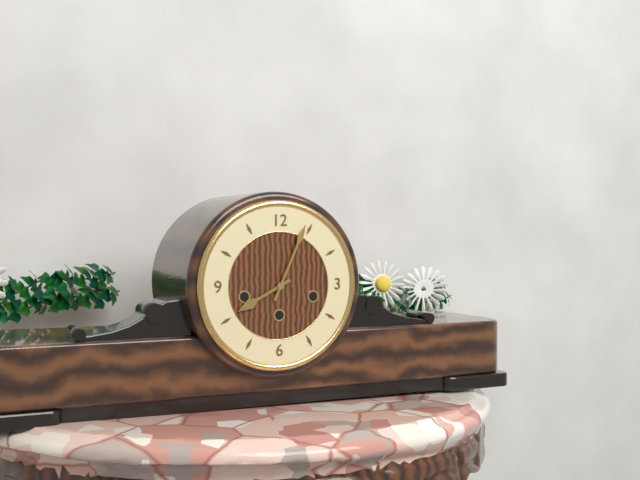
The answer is 8 h 04 min
